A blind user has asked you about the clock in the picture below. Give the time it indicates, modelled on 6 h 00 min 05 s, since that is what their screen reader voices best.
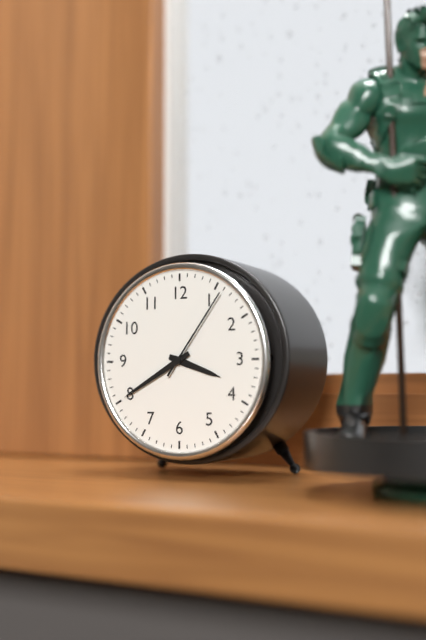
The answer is 3 h 40 min 06 s
